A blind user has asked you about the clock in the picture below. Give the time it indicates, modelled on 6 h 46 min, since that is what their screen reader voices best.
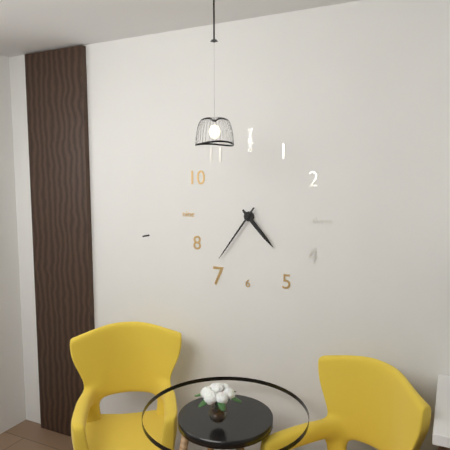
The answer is 4 h 36 min
